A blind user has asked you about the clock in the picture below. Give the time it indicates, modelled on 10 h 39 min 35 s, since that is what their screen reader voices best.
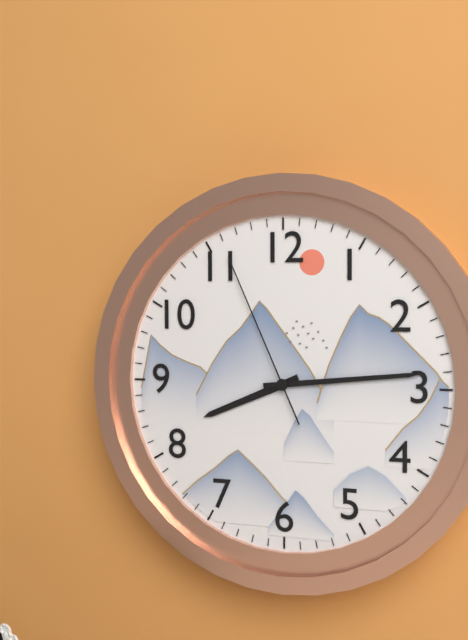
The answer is 8 h 14 min 56 s
